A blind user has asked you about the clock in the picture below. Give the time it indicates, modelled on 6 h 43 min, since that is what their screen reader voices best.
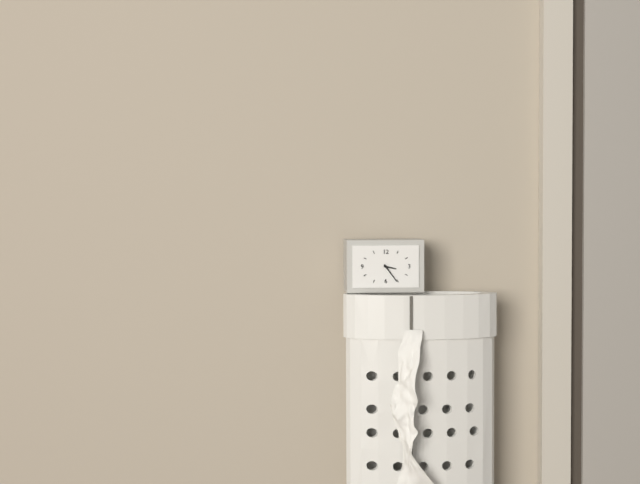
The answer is 3 h 24 min
